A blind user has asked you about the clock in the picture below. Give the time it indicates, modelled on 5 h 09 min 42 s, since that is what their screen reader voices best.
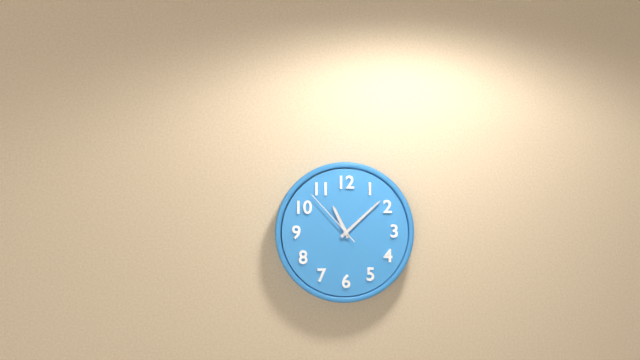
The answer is 11 h 08 min 53 s
